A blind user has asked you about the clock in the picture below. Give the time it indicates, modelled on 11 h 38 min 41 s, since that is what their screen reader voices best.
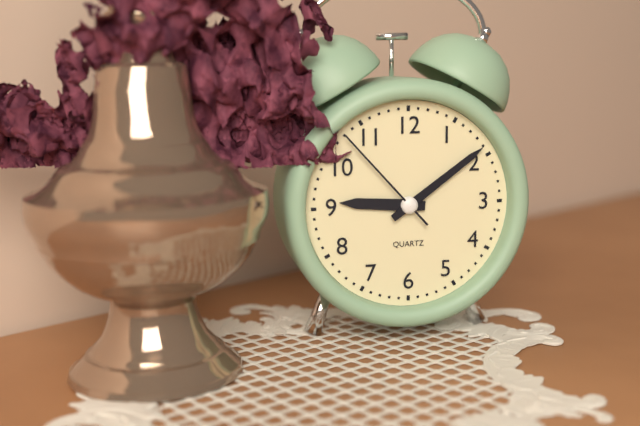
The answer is 9 h 09 min 53 s
